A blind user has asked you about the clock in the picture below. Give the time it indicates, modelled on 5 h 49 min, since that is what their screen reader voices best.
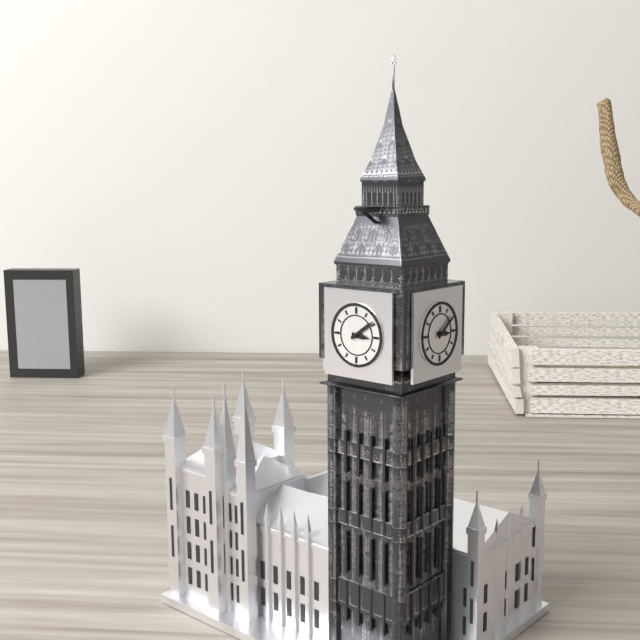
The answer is 3 h 09 min
